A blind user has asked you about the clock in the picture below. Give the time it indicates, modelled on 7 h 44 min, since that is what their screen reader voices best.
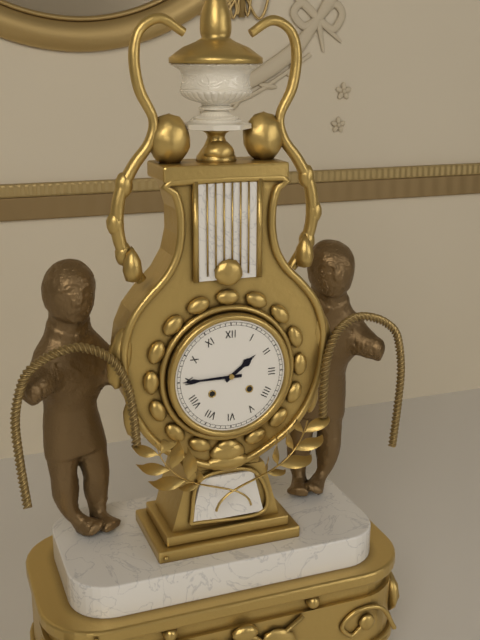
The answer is 1 h 45 min
